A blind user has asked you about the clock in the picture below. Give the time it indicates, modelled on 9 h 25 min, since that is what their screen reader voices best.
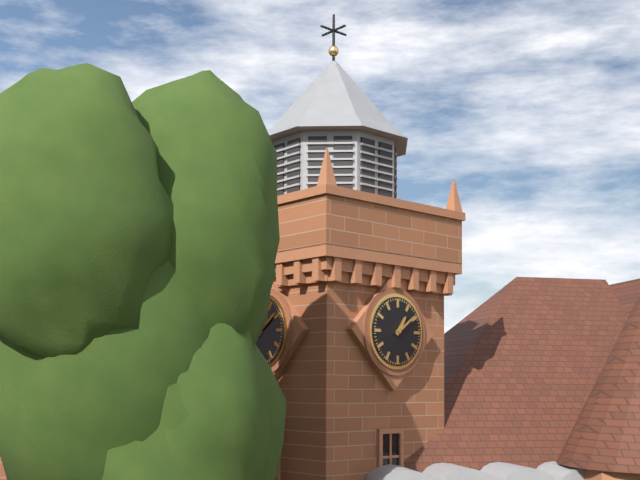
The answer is 1 h 09 min
